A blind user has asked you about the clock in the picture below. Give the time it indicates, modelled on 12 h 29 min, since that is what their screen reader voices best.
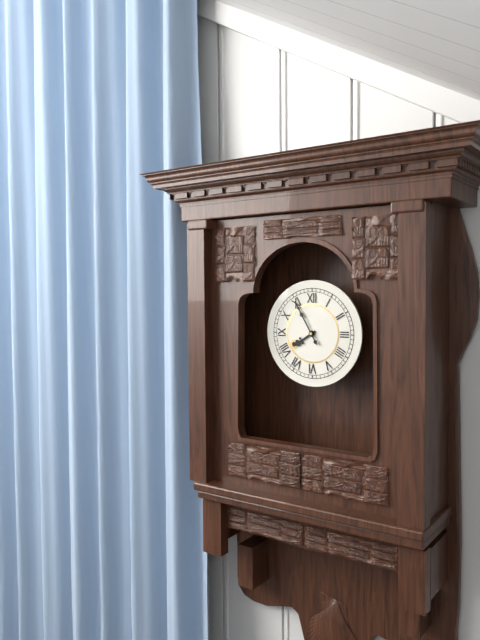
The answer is 7 h 55 min
